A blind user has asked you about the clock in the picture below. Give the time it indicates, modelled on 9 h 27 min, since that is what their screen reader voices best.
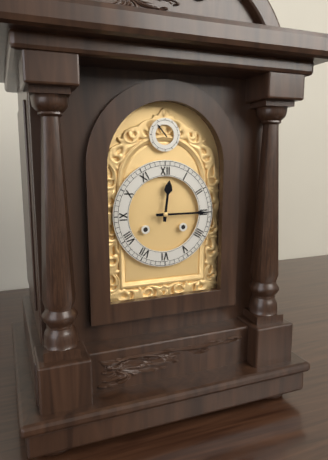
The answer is 12 h 15 min
